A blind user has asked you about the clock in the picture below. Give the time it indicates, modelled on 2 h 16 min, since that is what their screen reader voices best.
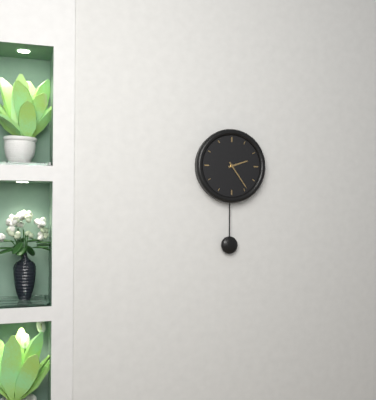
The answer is 2 h 24 min
